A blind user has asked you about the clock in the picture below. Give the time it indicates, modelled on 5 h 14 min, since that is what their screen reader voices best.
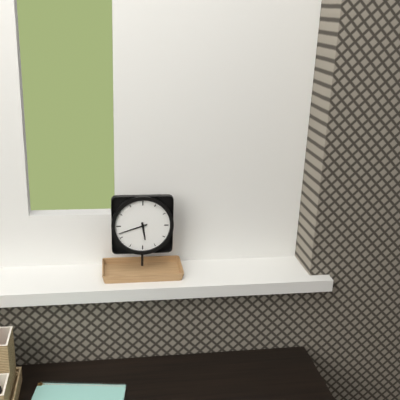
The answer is 5 h 42 min
